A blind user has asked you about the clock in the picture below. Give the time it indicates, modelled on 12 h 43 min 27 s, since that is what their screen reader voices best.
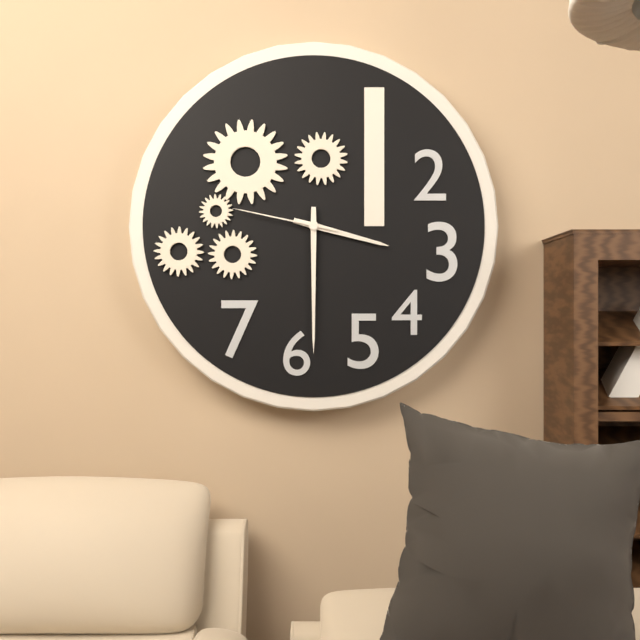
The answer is 3 h 30 min 47 s
